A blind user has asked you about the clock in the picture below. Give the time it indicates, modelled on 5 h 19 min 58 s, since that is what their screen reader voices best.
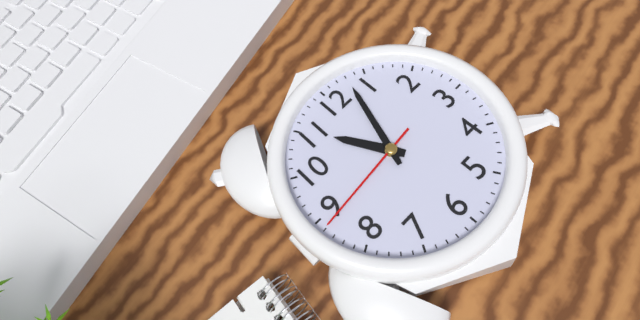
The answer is 11 h 03 min 44 s
